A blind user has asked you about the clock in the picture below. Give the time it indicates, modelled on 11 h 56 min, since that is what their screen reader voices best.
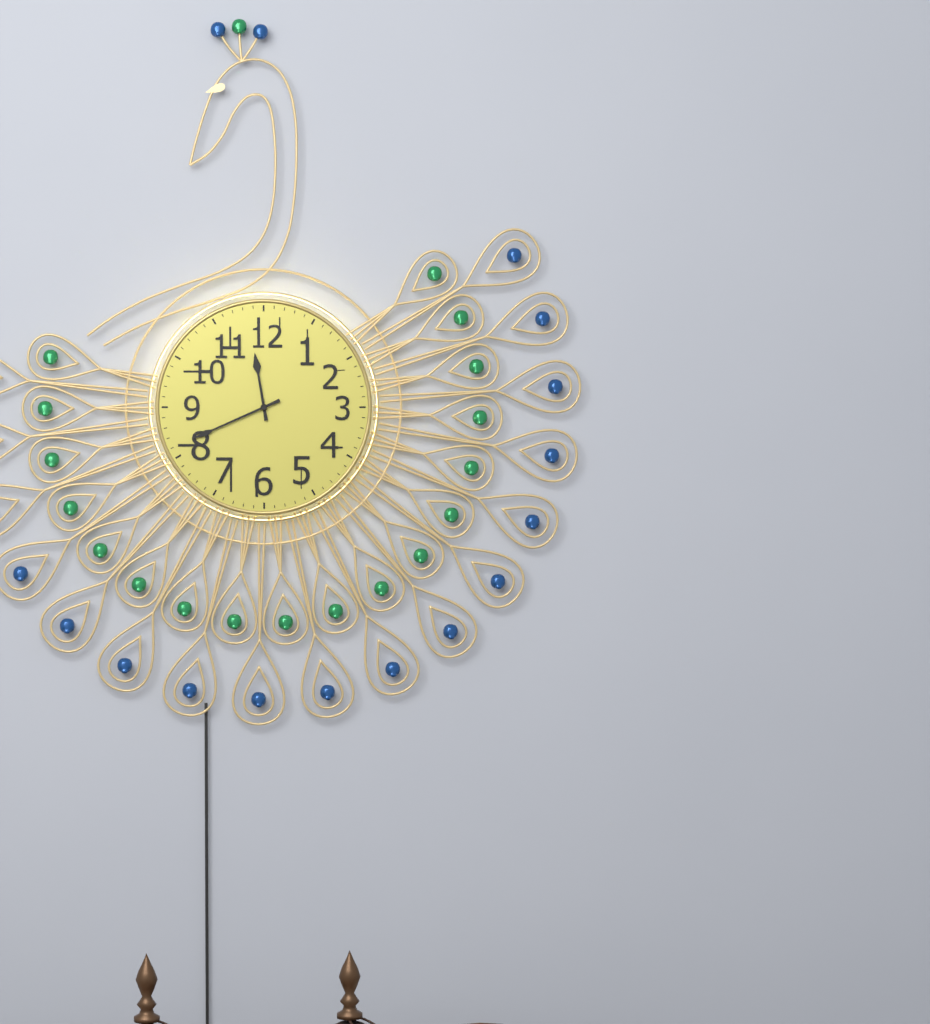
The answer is 11 h 41 min
